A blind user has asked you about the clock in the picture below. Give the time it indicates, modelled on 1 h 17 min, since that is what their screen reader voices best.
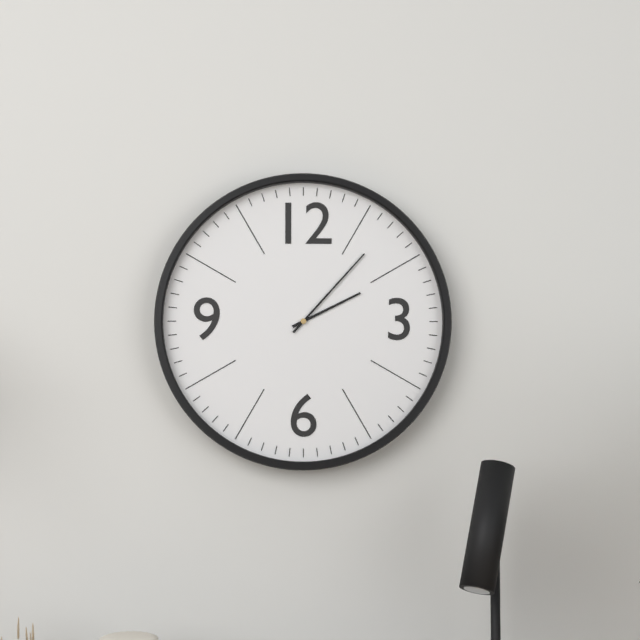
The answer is 2 h 07 min
